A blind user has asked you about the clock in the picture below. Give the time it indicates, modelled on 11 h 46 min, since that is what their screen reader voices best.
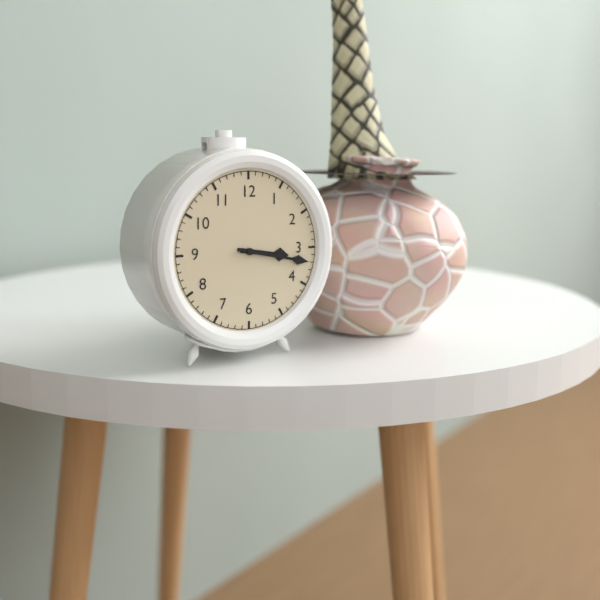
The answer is 3 h 17 min
